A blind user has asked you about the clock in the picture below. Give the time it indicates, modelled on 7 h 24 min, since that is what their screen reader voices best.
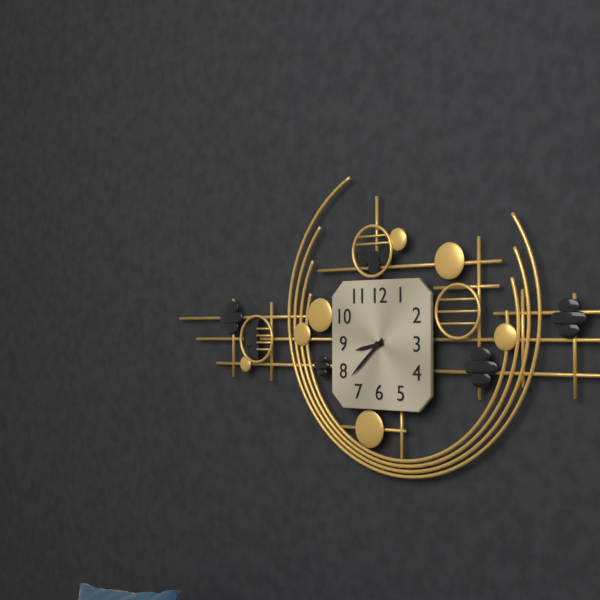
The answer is 8 h 38 min
